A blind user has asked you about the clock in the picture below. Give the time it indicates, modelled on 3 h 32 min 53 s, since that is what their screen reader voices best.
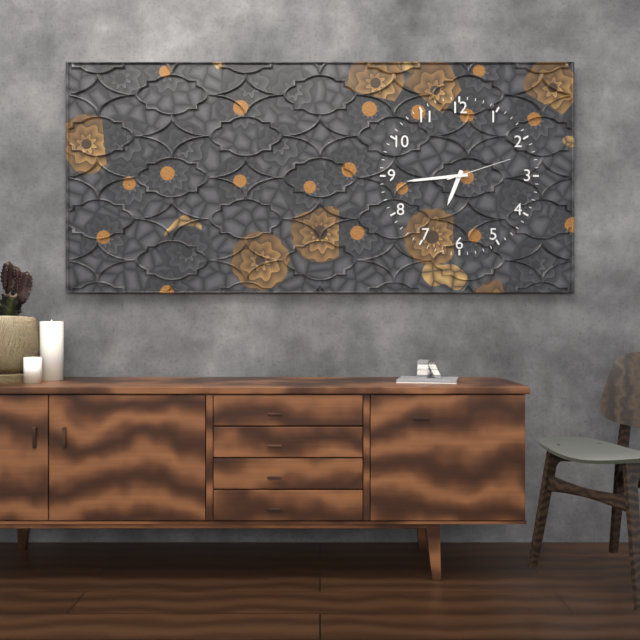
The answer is 6 h 44 min 12 s
